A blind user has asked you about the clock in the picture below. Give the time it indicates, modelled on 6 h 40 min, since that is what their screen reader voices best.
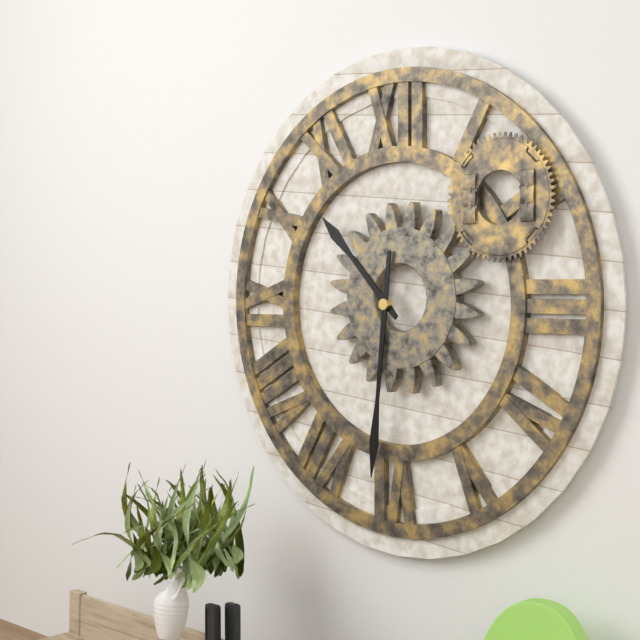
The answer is 10 h 31 min
